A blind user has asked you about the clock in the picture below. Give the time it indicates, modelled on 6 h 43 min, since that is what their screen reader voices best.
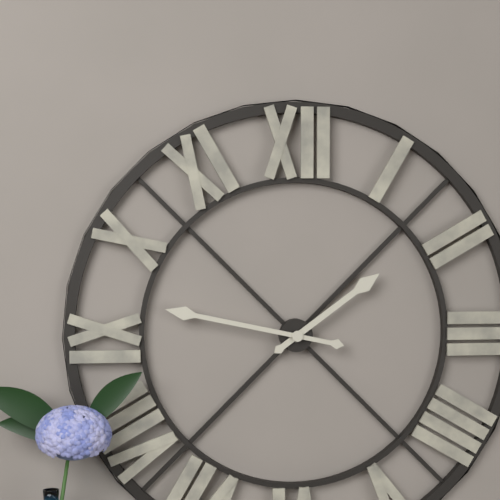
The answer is 1 h 47 min
